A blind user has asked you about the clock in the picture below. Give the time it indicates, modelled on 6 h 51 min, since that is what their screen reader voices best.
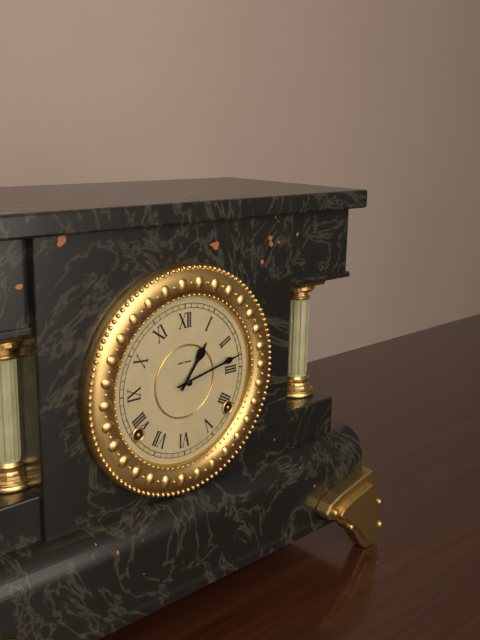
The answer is 1 h 13 min
